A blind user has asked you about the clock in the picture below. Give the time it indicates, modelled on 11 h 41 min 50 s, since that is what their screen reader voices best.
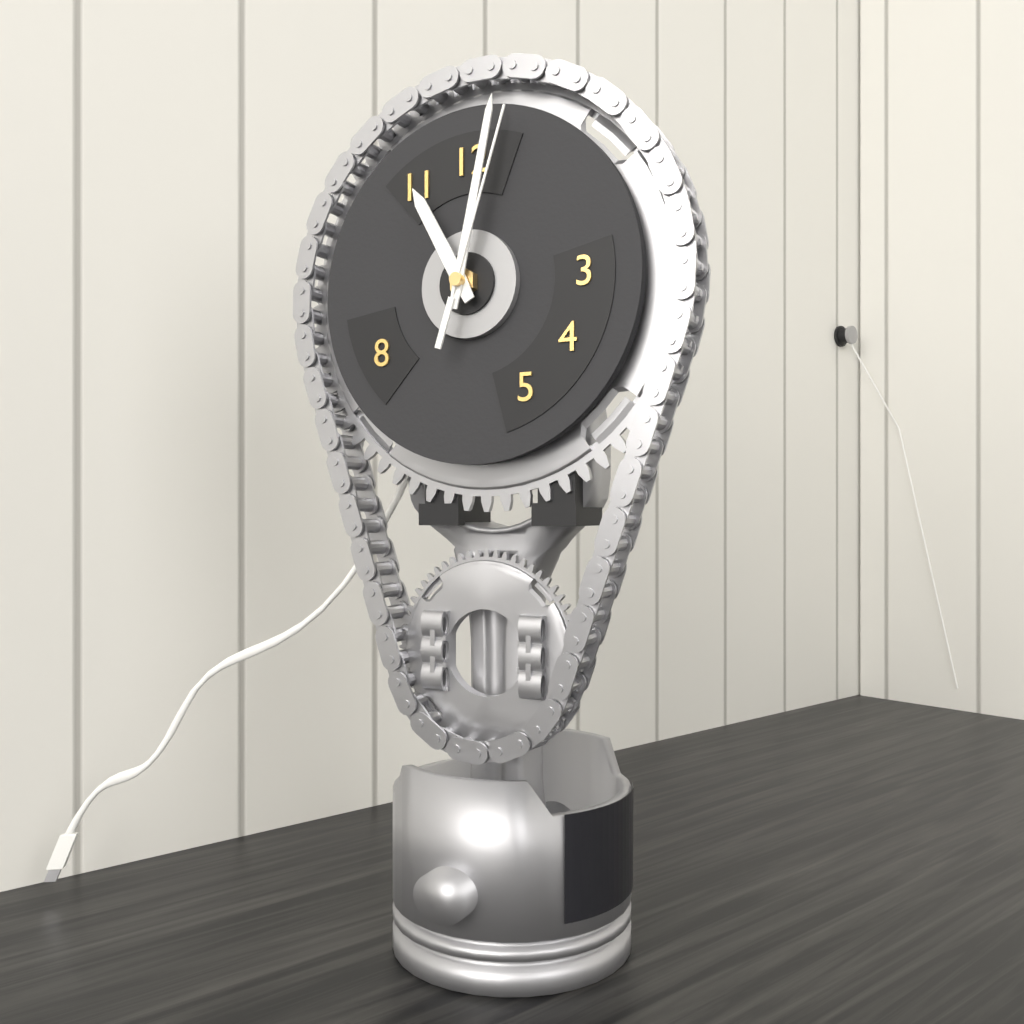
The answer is 11 h 02 min 03 s
